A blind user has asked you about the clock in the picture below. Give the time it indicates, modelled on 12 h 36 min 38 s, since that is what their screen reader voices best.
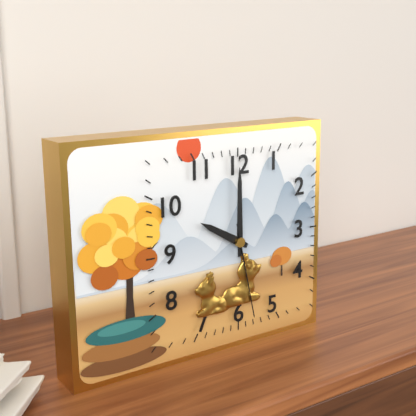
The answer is 10 h 00 min 28 s
